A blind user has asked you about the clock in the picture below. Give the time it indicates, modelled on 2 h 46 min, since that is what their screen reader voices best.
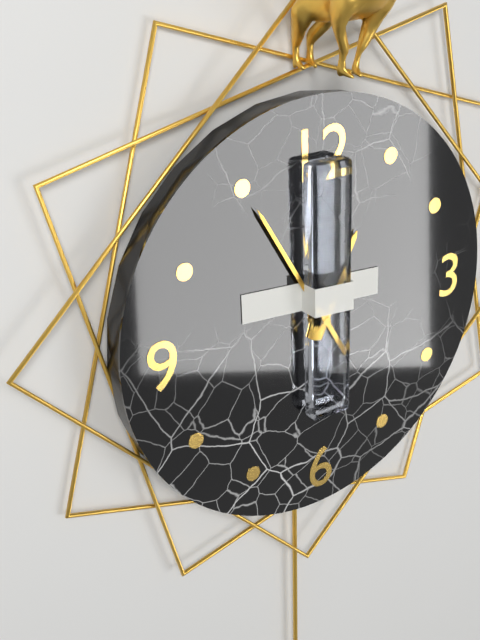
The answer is 12 h 55 min
